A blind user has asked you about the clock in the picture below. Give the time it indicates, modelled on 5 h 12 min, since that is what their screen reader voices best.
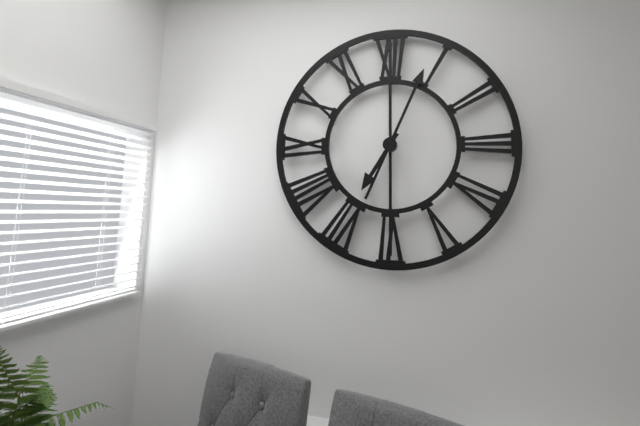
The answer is 7 h 04 min
